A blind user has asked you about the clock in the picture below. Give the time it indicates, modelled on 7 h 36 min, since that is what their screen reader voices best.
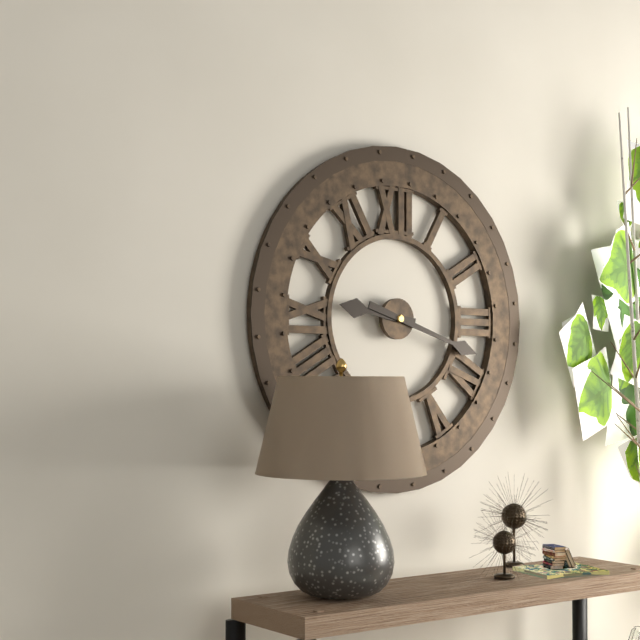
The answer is 9 h 18 min
